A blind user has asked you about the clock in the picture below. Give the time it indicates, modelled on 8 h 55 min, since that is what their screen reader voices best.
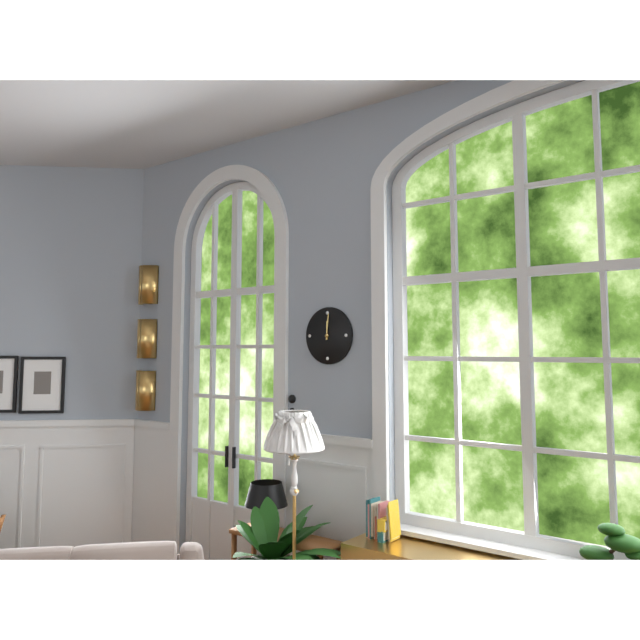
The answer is 12 h 01 min
